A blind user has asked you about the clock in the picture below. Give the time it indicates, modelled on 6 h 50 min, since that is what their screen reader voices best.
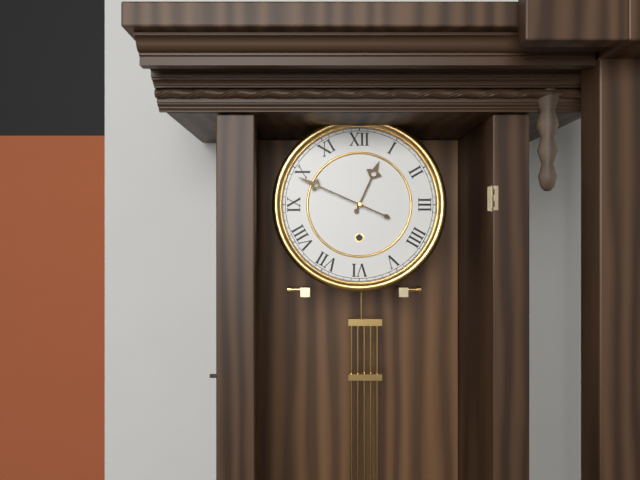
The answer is 12 h 49 min
